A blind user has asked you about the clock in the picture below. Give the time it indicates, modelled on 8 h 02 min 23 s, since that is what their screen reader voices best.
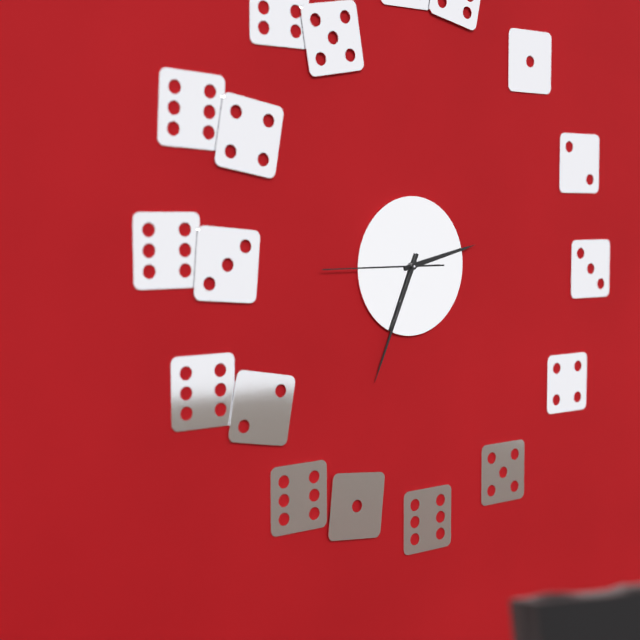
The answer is 2 h 34 min 45 s
